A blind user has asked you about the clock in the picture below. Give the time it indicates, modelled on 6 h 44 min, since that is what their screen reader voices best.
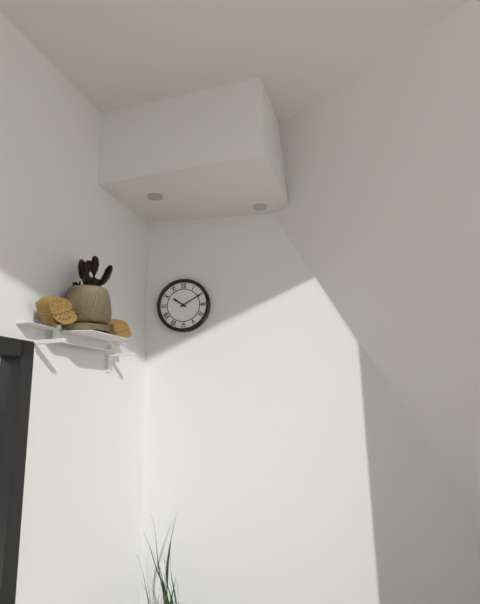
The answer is 10 h 10 min
